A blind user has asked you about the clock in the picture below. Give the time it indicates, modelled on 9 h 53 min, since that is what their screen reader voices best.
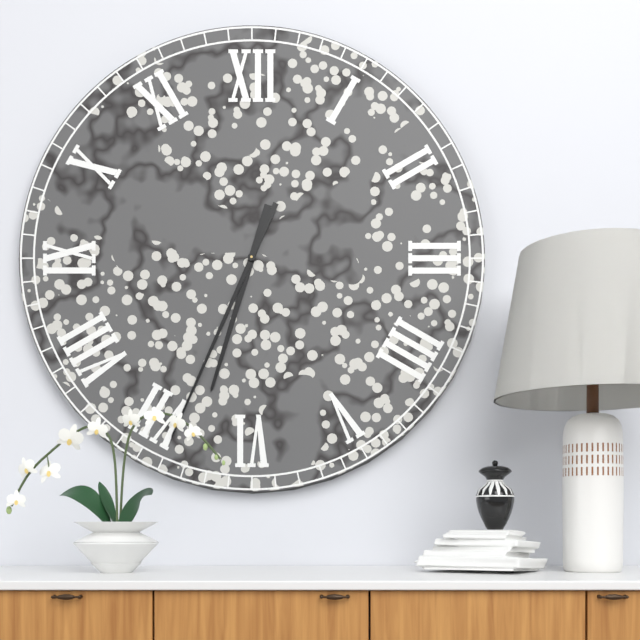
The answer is 6 h 34 min
